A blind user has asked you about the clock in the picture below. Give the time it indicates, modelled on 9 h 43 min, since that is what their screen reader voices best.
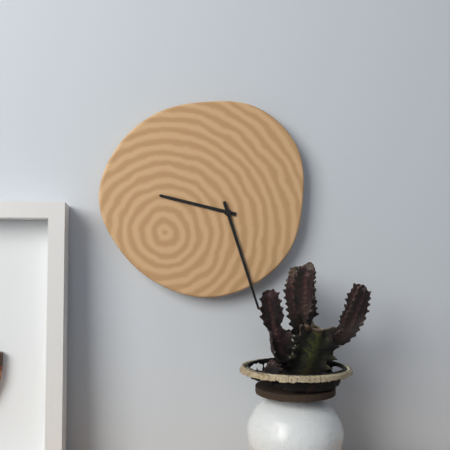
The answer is 9 h 27 min
